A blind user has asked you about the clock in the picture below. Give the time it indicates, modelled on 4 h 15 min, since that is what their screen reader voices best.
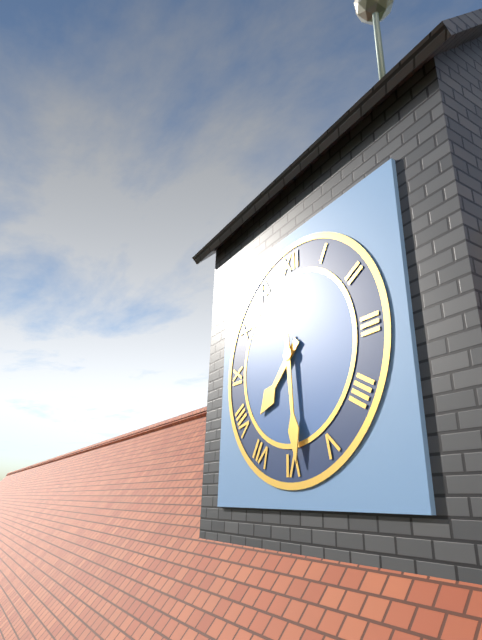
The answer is 7 h 29 min
